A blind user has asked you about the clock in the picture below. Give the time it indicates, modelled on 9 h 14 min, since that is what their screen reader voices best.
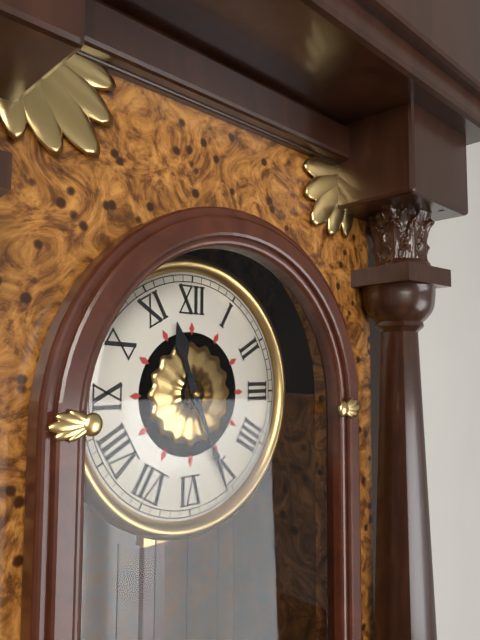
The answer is 11 h 26 min
